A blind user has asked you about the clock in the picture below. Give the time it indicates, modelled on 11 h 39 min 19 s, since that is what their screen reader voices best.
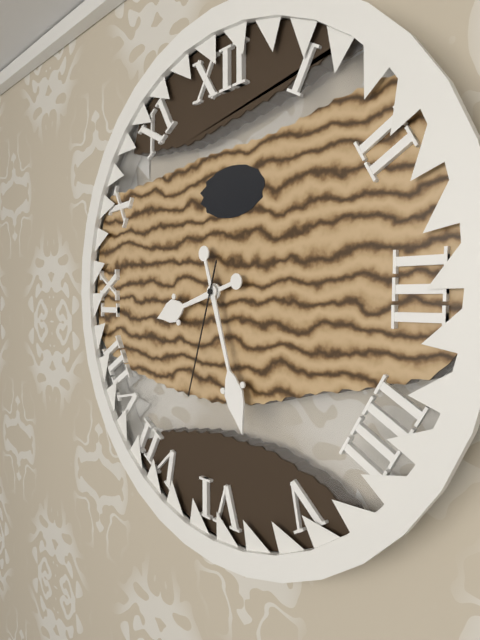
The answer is 8 h 27 min 33 s
